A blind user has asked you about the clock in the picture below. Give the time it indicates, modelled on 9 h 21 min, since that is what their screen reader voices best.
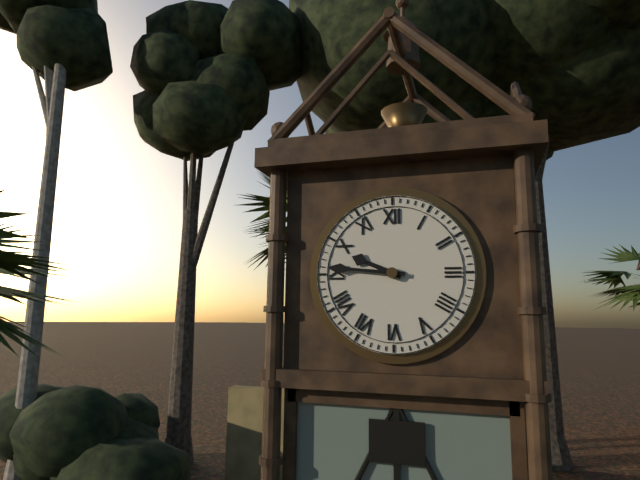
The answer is 9 h 46 min
